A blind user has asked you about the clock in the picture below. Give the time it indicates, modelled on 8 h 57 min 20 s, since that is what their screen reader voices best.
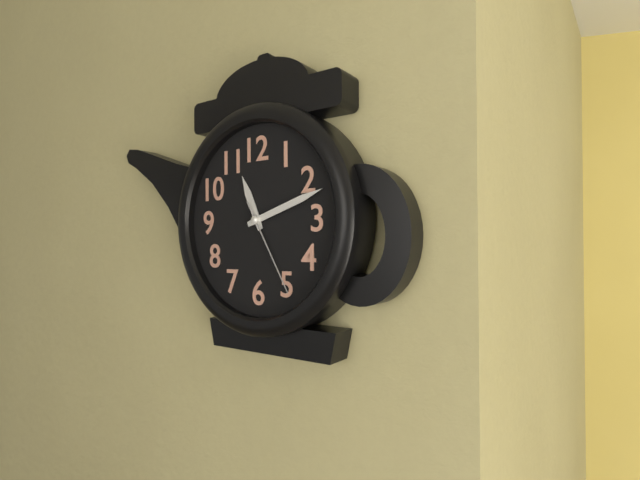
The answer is 11 h 12 min 25 s
